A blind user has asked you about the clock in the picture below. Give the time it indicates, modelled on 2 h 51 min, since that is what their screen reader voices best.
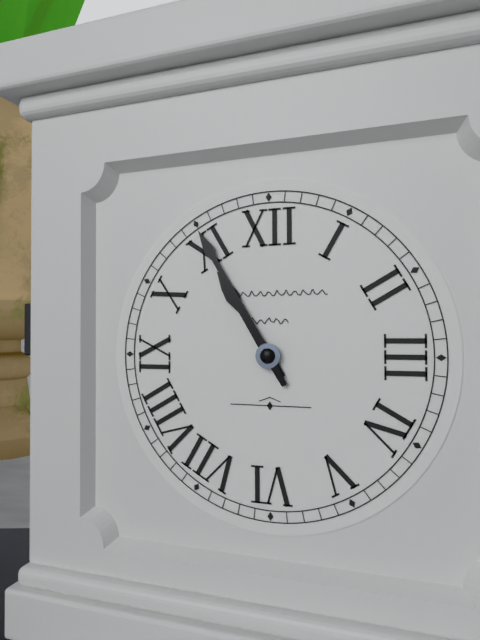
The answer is 10 h 55 min
